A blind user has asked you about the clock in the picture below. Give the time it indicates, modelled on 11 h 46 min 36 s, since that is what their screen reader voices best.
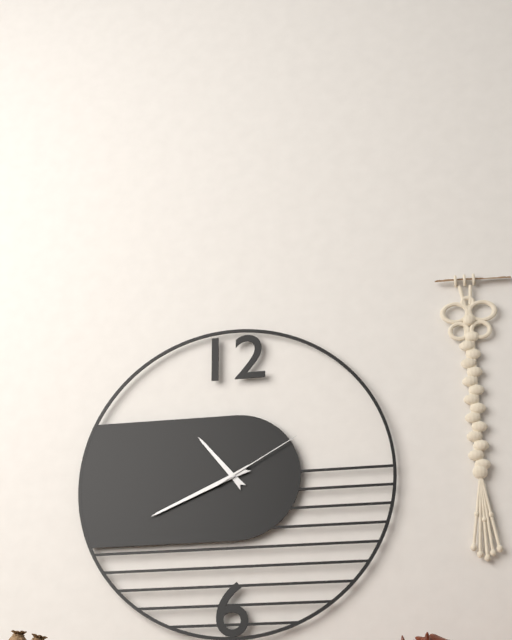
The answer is 10 h 41 min 10 s
